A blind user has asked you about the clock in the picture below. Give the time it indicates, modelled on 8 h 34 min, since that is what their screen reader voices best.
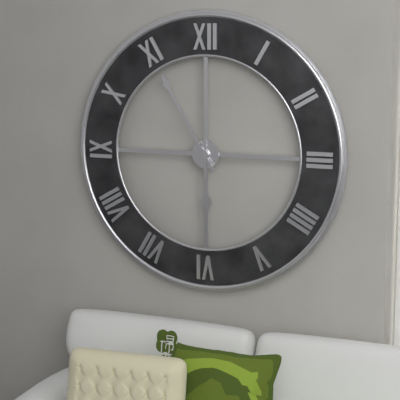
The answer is 5 h 55 min
